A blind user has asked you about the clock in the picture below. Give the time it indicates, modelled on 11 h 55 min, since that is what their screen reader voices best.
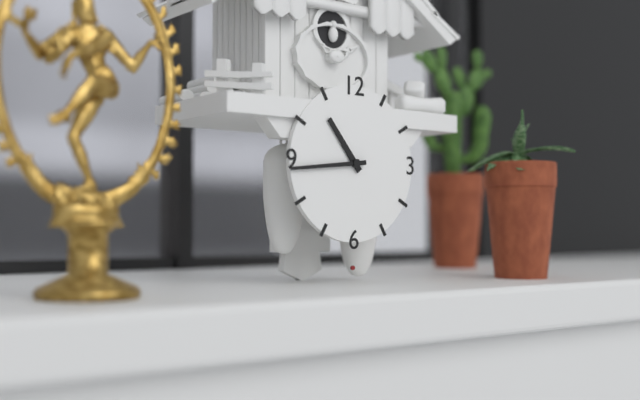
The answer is 10 h 44 min
